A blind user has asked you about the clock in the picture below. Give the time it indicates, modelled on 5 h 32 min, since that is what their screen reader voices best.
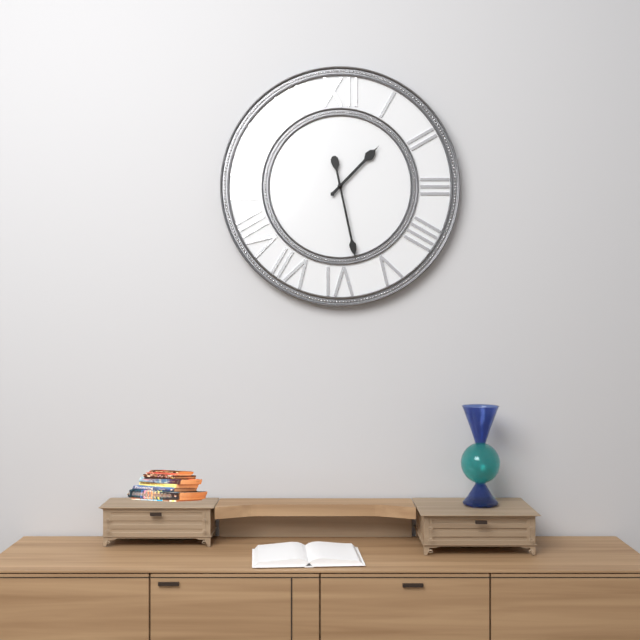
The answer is 1 h 28 min
